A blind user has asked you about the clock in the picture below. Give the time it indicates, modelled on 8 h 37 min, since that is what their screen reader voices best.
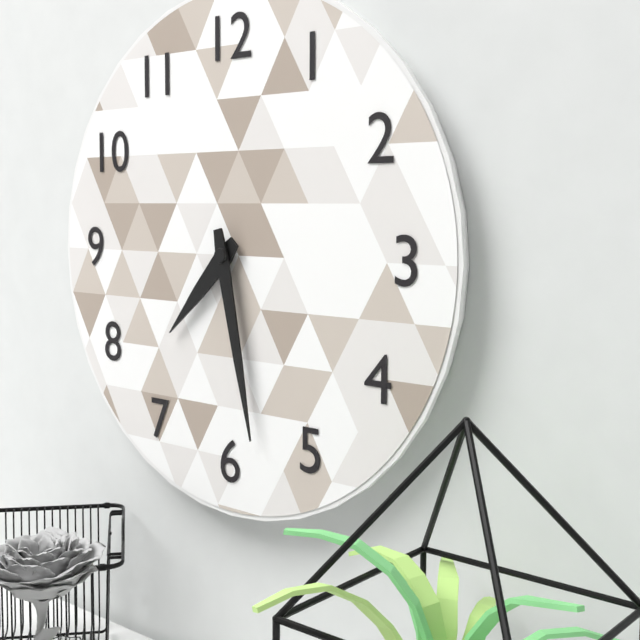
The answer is 7 h 28 min
